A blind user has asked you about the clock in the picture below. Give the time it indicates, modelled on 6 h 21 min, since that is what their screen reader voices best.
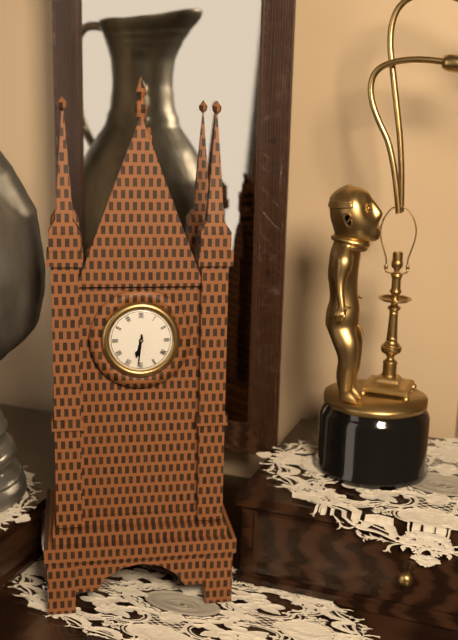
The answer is 6 h 31 min
